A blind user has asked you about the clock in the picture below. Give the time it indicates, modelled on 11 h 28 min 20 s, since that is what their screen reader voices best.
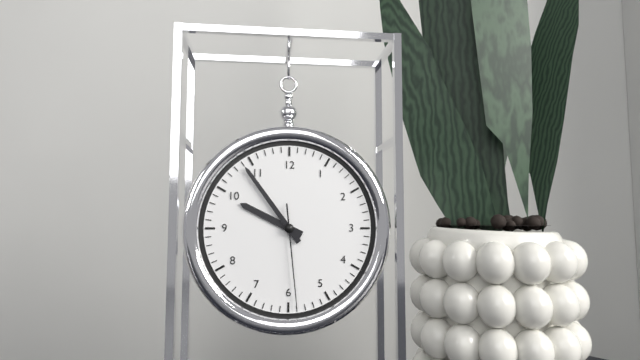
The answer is 9 h 54 min 29 s
